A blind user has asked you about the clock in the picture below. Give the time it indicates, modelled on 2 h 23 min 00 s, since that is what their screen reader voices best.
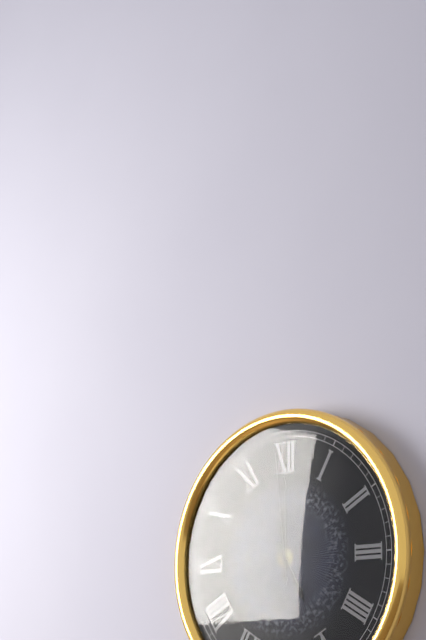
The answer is 5 h 00 min 59 s
